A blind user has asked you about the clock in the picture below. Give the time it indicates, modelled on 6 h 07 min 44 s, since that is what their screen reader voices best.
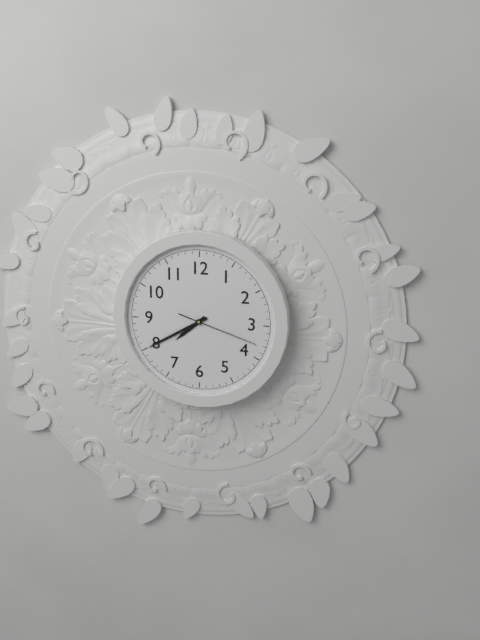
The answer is 7 h 40 min 18 s
